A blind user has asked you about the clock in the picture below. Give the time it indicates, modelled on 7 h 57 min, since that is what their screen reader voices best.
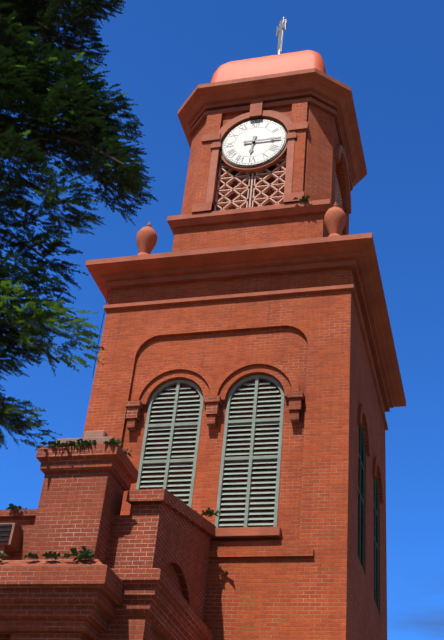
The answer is 6 h 15 min
